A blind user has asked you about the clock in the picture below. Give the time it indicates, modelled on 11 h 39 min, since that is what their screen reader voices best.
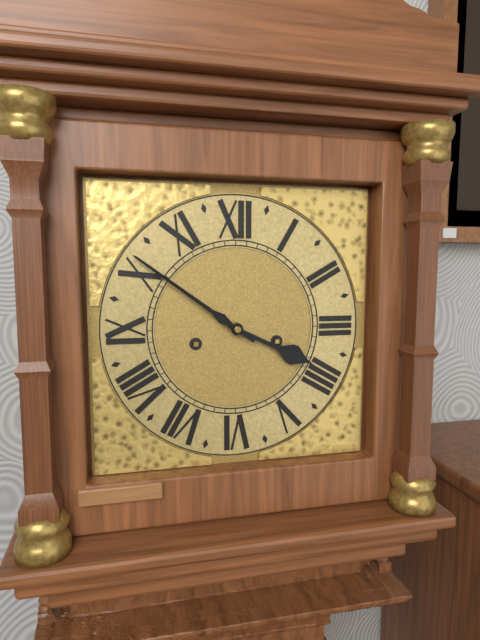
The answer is 3 h 51 min
